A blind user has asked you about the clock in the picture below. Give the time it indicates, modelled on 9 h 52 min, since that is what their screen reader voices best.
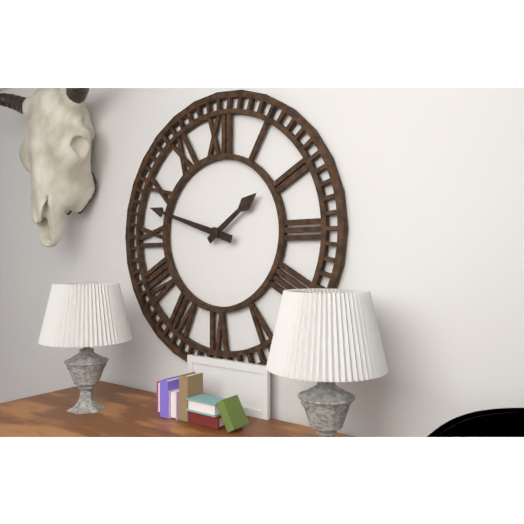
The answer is 1 h 48 min
